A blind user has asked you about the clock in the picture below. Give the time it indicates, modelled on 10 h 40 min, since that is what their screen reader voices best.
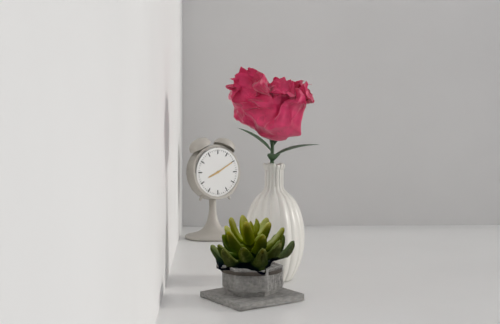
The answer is 8 h 10 min
